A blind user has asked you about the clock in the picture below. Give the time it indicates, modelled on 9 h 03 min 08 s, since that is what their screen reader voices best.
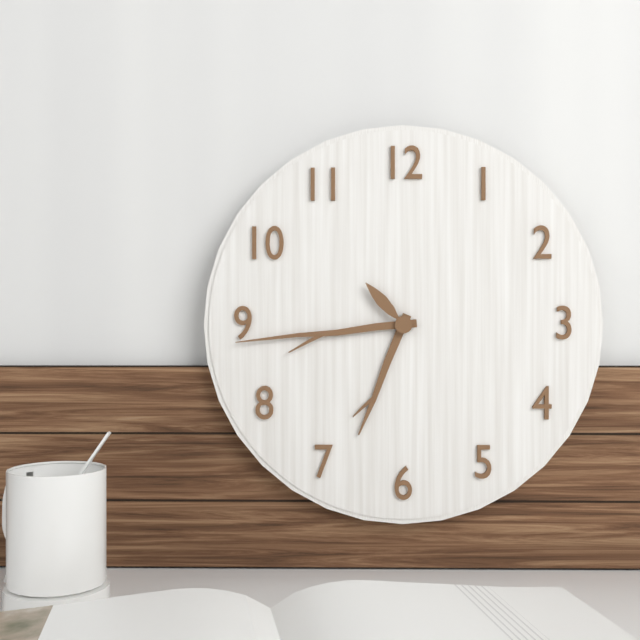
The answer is 6 h 44 min 53 s
